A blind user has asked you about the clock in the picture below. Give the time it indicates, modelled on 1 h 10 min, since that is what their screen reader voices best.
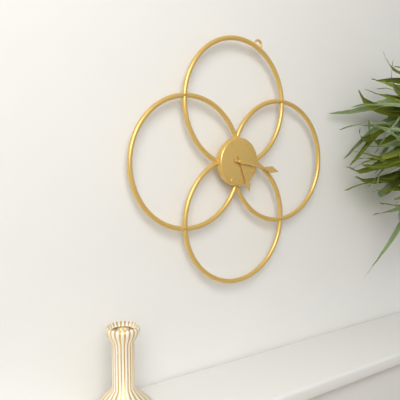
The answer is 5 h 17 min
